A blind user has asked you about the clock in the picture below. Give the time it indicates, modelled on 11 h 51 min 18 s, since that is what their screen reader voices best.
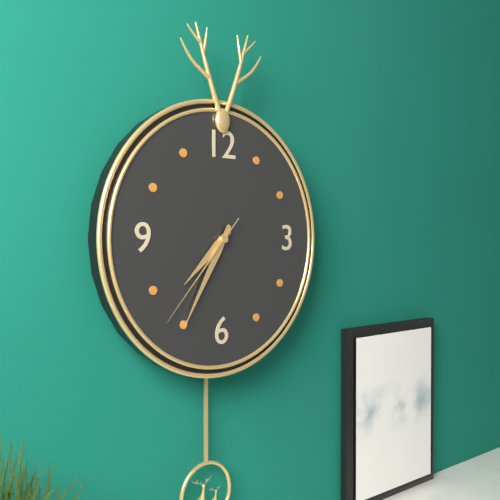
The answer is 7 h 35 min 37 s
